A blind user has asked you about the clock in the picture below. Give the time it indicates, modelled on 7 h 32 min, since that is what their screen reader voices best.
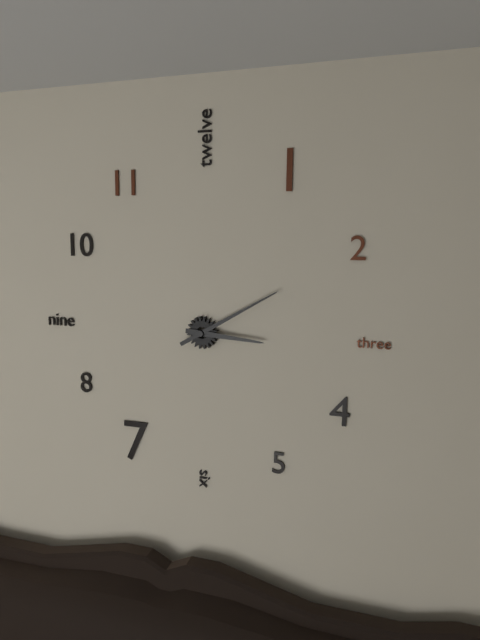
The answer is 3 h 10 min
